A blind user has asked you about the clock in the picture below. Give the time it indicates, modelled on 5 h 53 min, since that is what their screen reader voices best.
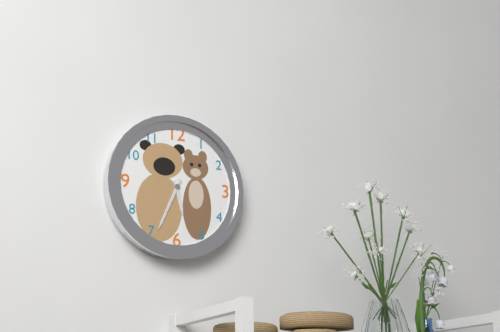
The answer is 5 h 34 min
